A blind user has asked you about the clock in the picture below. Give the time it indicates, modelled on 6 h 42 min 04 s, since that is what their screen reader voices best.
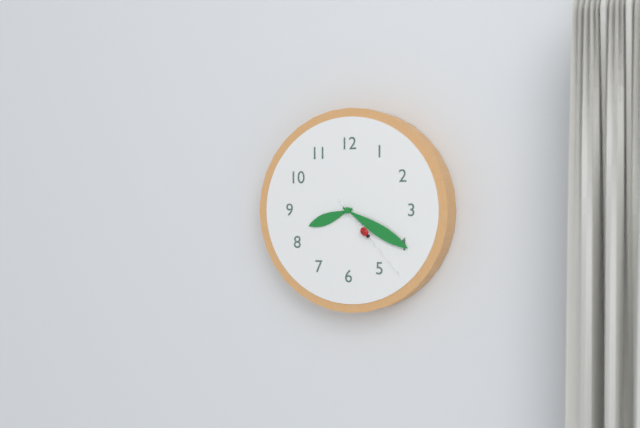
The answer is 8 h 20 min 23 s
